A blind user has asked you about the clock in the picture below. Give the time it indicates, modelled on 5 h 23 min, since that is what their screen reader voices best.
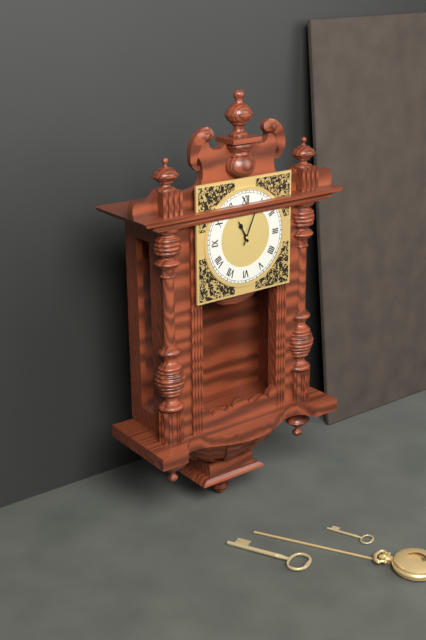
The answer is 11 h 04 min
